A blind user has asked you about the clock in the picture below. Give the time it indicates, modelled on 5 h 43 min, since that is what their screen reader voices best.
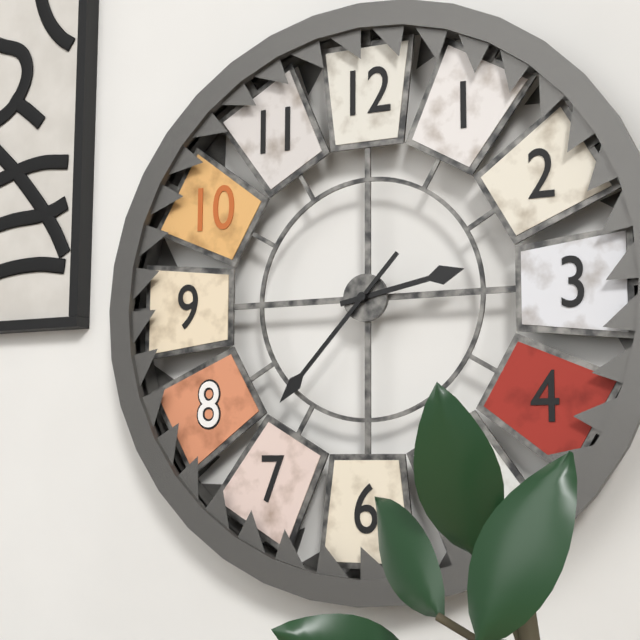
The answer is 2 h 37 min
